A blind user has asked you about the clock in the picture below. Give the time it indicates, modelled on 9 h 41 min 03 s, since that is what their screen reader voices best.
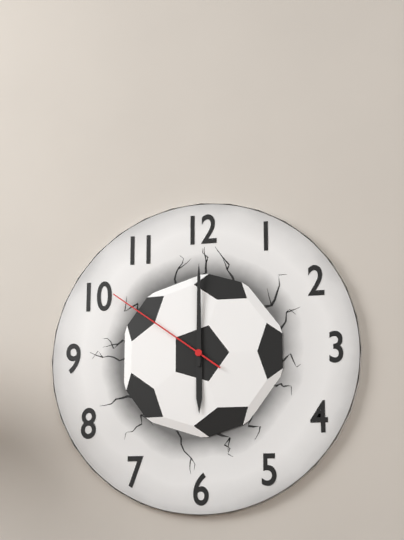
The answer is 6 h 00 min 51 s
